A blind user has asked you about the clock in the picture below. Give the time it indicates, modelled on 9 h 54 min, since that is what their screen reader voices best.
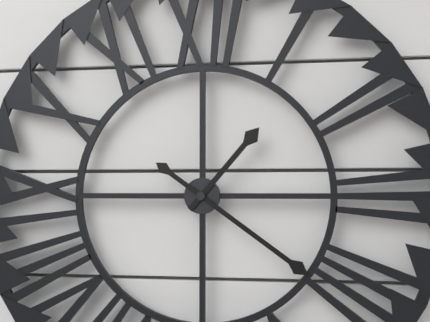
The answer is 1 h 21 min
